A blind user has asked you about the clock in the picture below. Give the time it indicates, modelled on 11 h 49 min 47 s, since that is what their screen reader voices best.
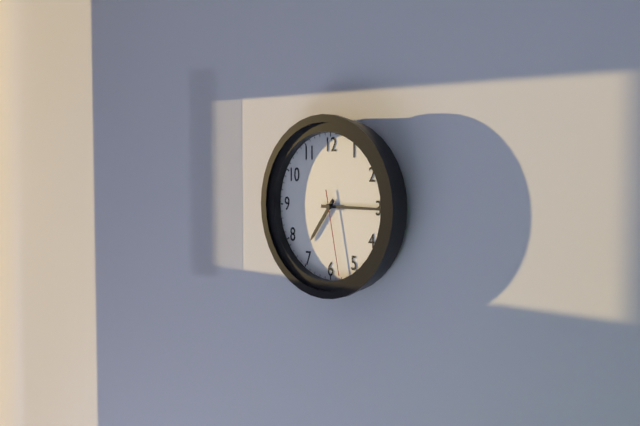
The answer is 7 h 15 min 28 s
